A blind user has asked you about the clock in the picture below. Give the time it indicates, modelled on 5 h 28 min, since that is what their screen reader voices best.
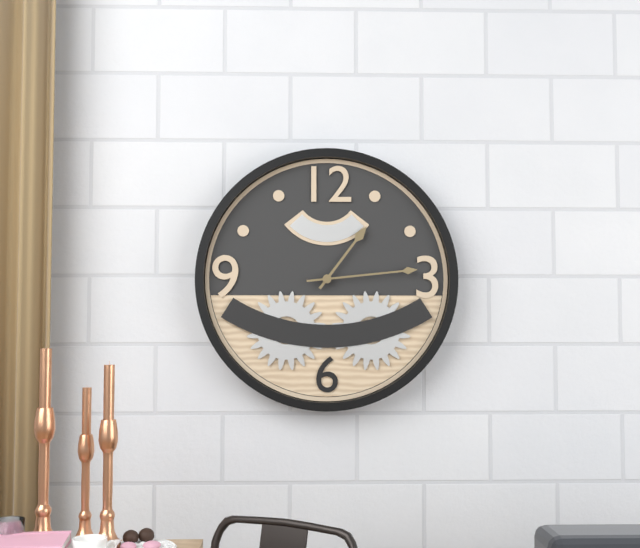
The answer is 1 h 14 min
